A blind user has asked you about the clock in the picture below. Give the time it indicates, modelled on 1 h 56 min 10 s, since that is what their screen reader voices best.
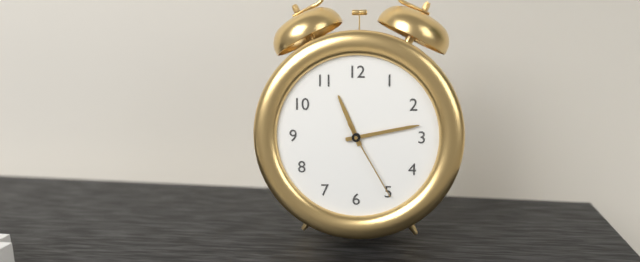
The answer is 11 h 13 min 25 s
